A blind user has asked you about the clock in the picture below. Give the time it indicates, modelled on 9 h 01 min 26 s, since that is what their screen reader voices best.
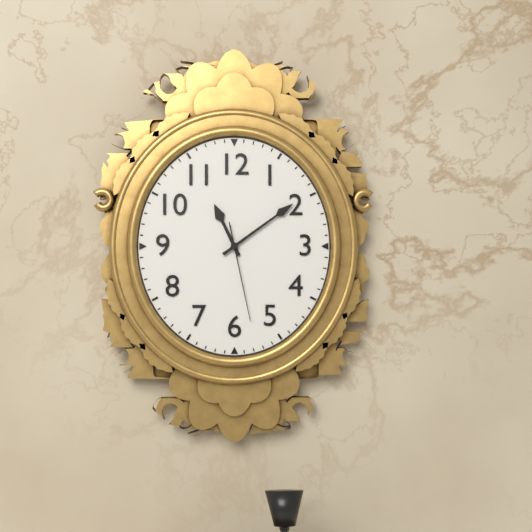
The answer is 11 h 09 min 28 s
